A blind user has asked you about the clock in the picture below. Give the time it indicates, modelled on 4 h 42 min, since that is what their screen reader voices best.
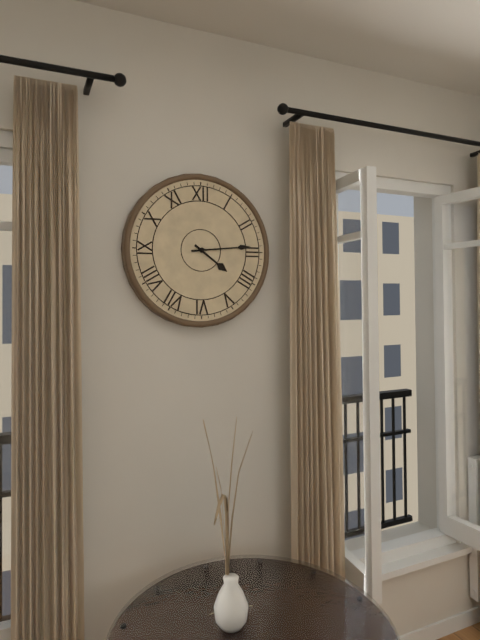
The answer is 4 h 14 min
